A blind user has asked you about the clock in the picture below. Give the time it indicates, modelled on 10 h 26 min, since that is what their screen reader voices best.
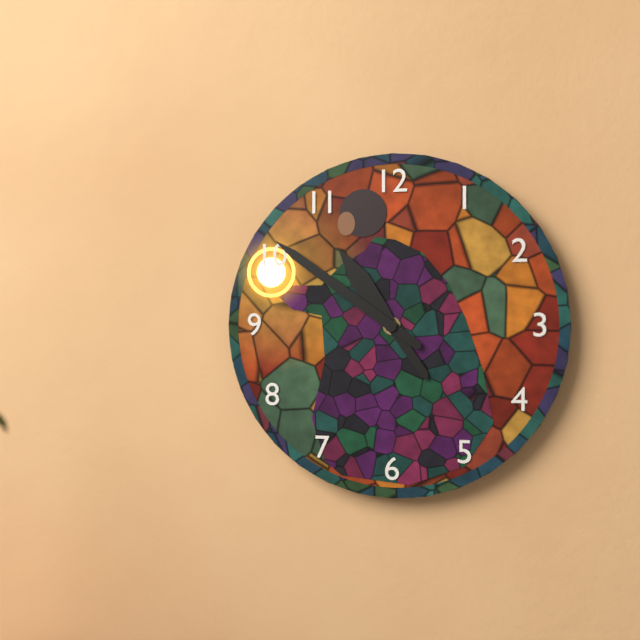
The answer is 10 h 51 min
